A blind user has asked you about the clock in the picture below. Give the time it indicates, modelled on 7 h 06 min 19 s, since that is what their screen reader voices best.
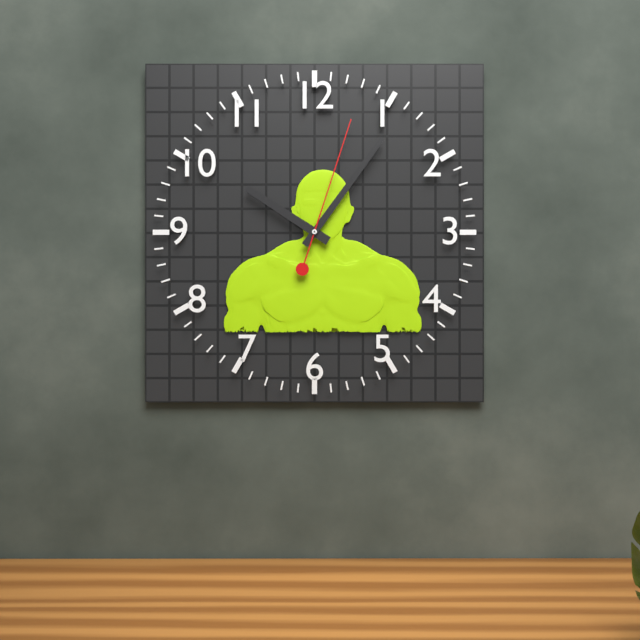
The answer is 10 h 06 min 03 s
